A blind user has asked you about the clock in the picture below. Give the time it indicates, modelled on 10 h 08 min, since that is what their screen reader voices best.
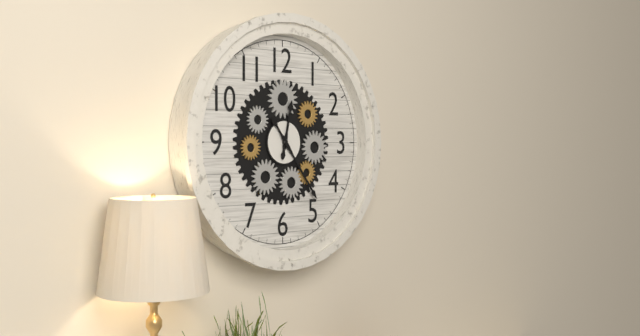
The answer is 12 h 24 min
